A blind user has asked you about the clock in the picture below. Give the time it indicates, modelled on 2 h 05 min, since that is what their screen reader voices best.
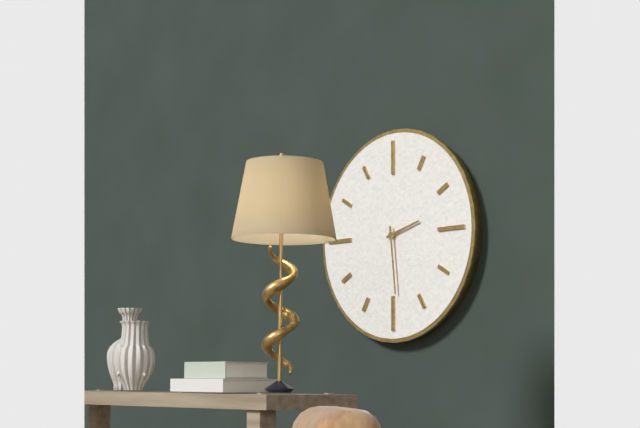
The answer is 2 h 29 min
